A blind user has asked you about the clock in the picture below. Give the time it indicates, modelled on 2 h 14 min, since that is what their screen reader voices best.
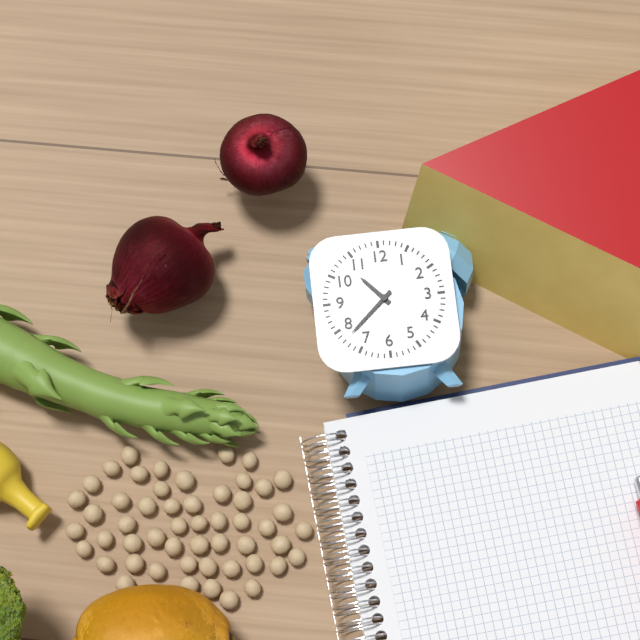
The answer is 10 h 38 min
